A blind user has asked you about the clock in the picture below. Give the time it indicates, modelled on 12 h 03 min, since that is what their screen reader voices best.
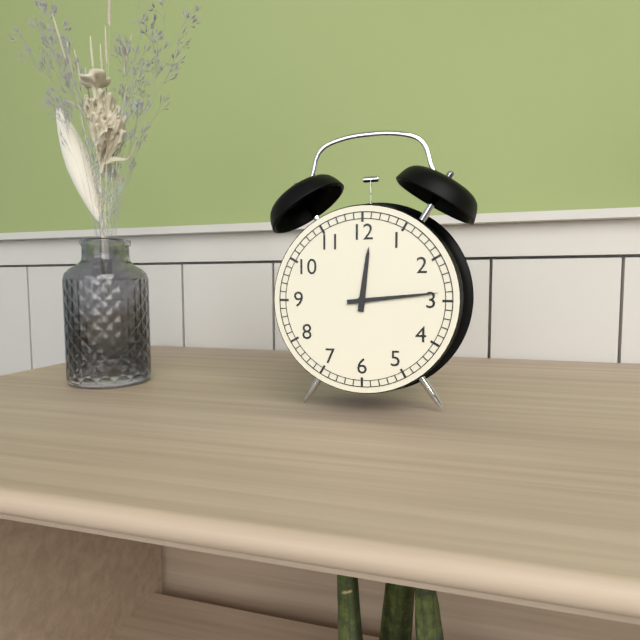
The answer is 12 h 14 min
